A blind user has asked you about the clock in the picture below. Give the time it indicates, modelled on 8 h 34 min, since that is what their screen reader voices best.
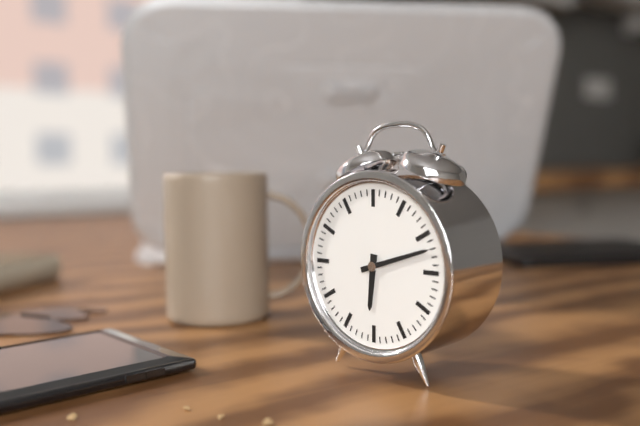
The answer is 6 h 12 min
